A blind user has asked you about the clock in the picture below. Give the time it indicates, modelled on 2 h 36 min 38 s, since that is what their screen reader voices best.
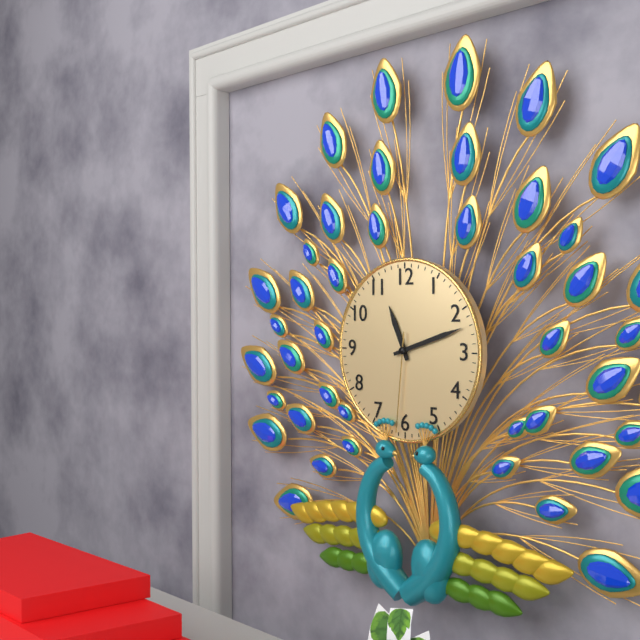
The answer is 11 h 12 min 31 s
